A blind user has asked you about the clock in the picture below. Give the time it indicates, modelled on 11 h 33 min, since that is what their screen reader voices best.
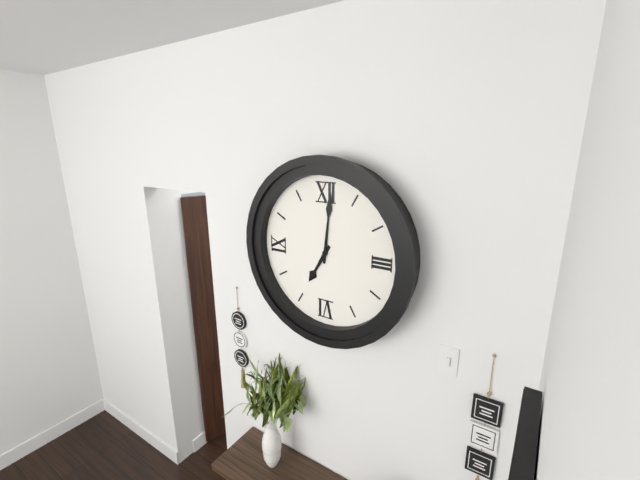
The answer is 7 h 01 min
